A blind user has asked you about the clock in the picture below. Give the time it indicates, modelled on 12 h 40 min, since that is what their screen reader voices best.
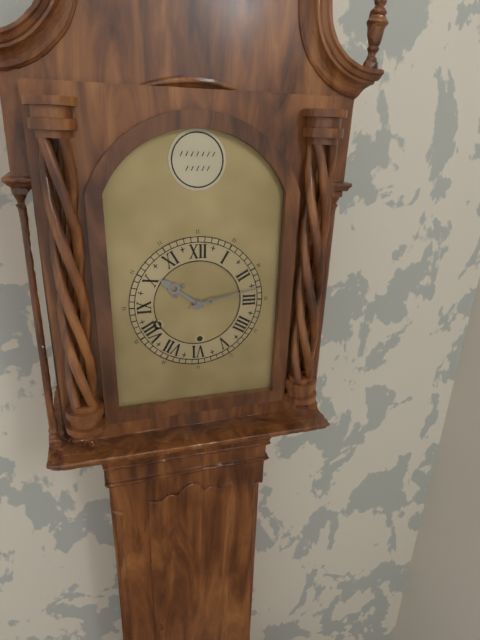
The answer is 10 h 13 min
